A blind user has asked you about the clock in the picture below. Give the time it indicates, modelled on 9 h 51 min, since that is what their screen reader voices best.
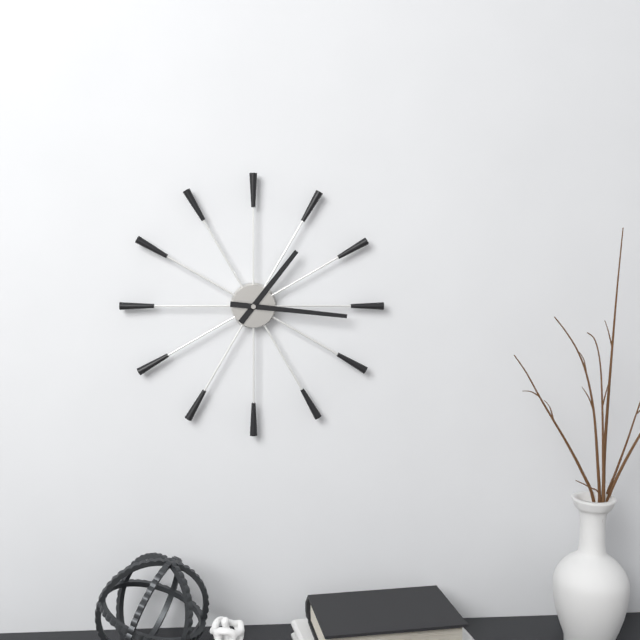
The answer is 1 h 16 min
